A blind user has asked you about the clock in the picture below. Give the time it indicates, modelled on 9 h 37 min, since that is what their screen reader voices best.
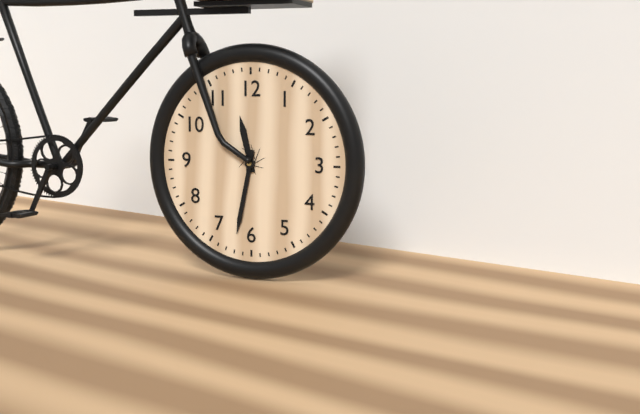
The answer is 11 h 32 min
